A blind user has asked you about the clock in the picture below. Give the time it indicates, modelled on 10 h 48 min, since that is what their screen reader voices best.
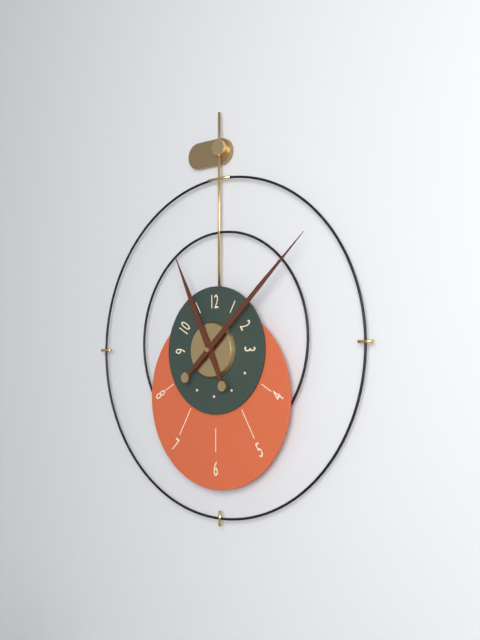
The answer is 11 h 08 min
